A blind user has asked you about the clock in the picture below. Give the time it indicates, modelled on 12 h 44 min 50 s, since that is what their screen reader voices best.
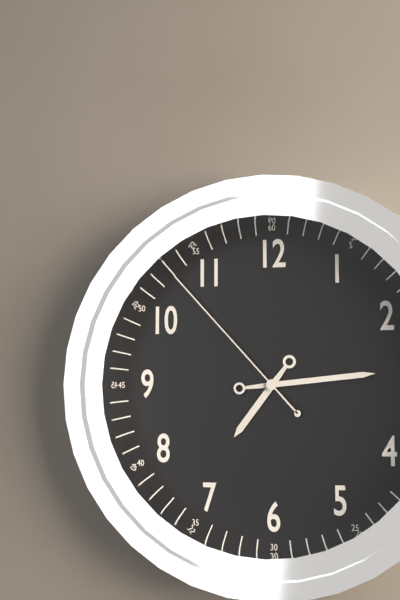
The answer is 7 h 14 min 53 s
